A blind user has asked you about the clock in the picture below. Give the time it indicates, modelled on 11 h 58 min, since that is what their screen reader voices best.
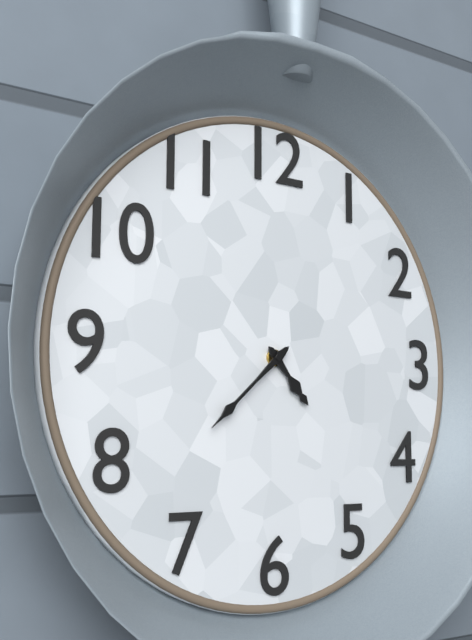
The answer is 4 h 38 min
